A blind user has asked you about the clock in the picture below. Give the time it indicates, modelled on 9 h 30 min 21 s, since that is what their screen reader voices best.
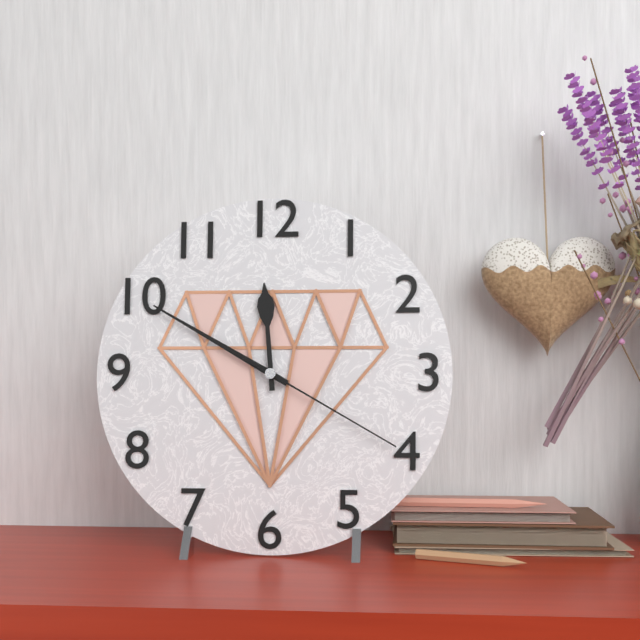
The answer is 11 h 50 min 20 s
